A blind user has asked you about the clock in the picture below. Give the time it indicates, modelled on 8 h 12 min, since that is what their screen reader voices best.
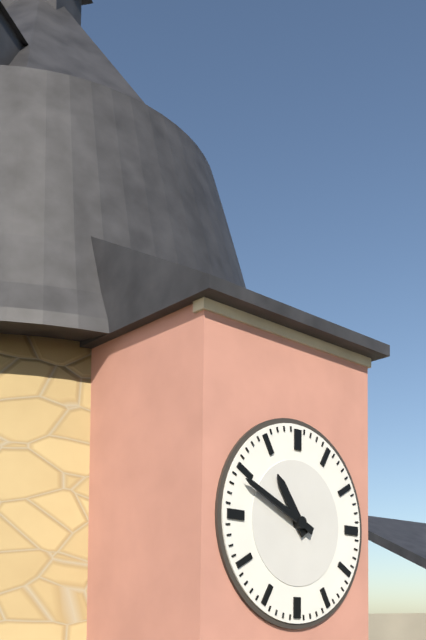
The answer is 10 h 49 min
